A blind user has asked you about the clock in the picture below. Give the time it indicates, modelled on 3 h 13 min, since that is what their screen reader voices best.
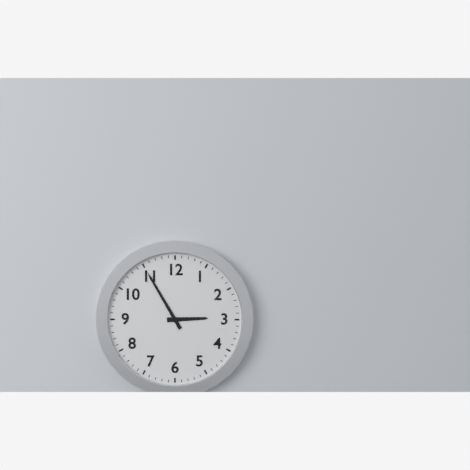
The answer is 2 h 55 min
